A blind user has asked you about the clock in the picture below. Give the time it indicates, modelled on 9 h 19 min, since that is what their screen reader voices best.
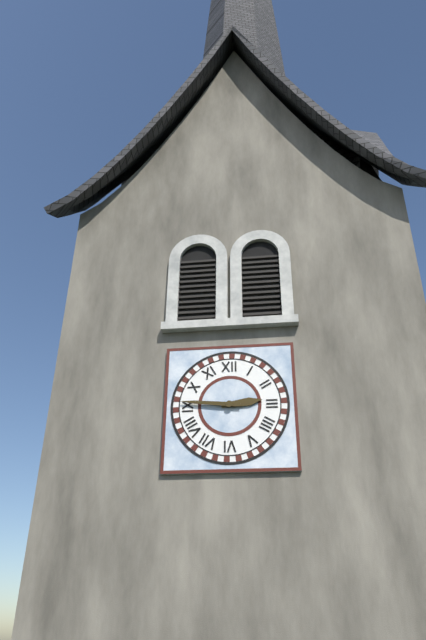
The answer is 2 h 46 min
